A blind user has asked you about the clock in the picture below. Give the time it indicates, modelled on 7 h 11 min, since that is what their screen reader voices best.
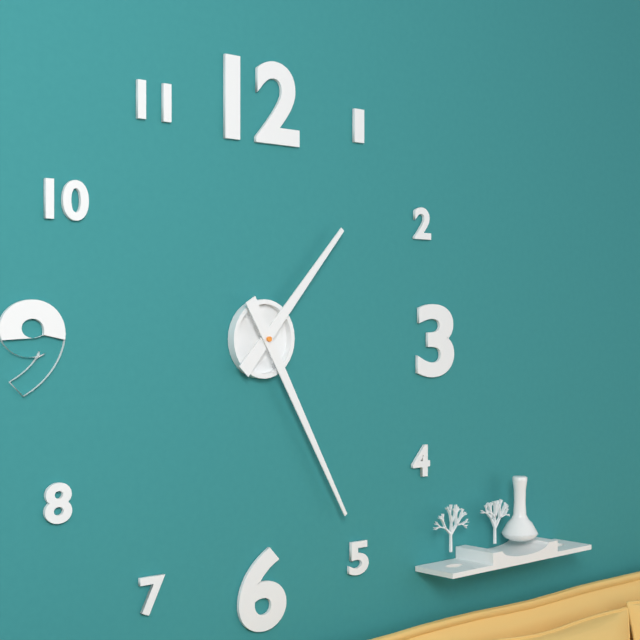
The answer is 1 h 25 min
